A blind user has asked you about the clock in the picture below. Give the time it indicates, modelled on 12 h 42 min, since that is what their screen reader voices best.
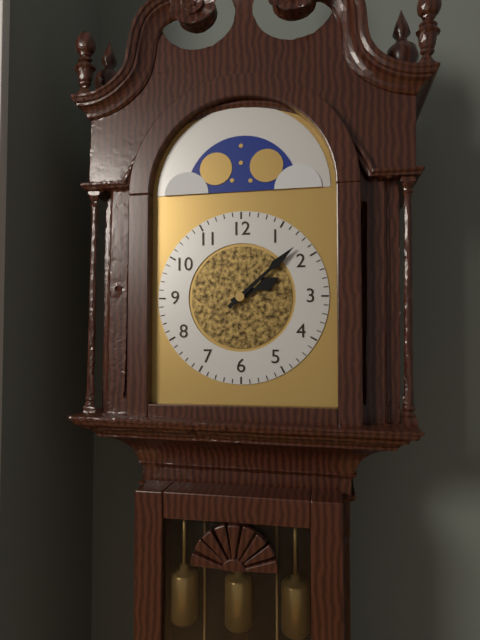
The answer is 2 h 08 min
